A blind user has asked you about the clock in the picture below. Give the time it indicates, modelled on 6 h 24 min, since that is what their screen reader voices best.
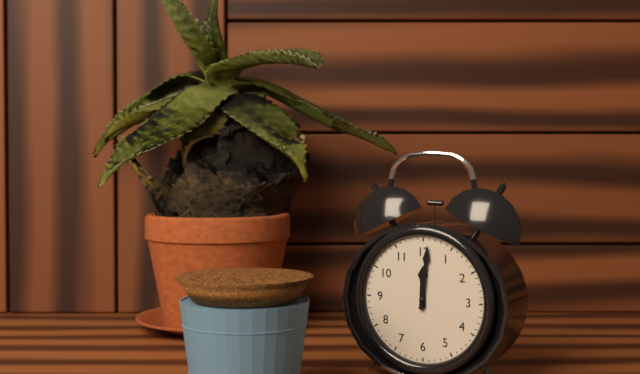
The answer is 12 h 01 min
